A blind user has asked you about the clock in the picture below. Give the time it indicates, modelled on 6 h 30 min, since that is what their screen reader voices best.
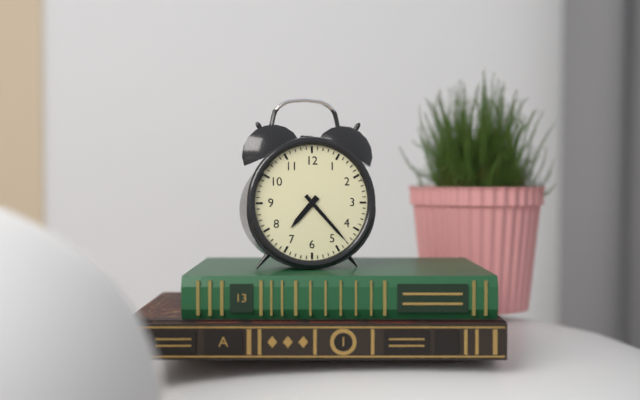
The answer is 7 h 23 min
